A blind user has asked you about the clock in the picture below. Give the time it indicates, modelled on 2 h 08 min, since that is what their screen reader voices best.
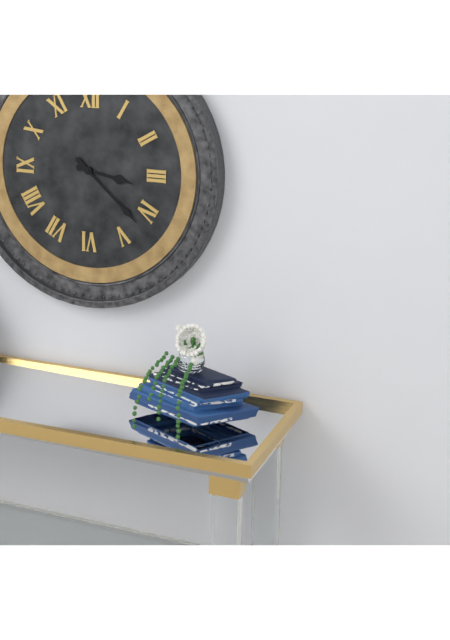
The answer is 3 h 22 min
